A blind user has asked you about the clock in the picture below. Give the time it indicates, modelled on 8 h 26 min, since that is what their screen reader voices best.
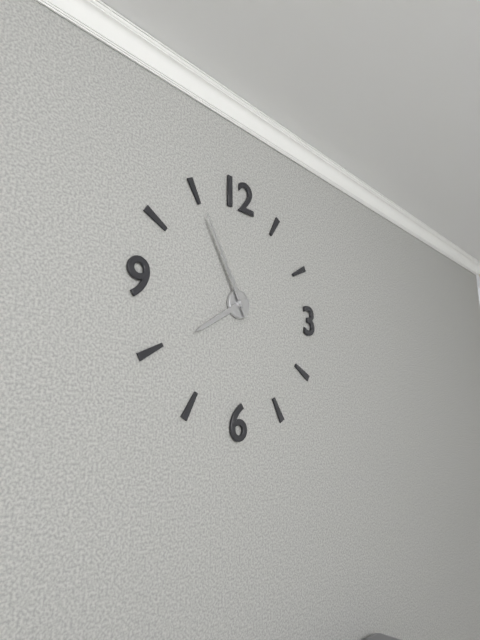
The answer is 7 h 55 min
